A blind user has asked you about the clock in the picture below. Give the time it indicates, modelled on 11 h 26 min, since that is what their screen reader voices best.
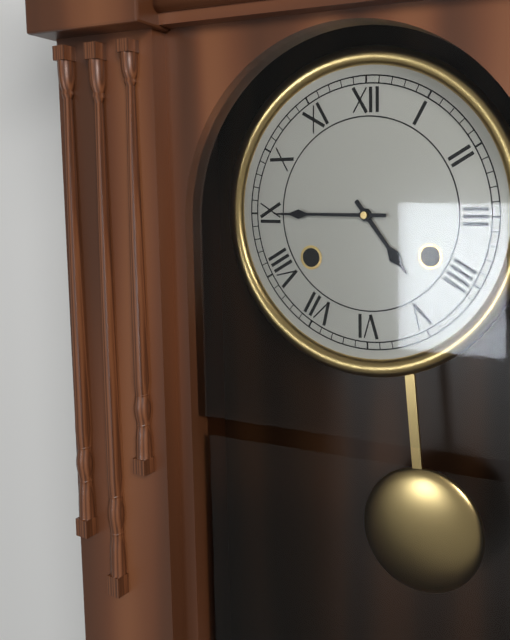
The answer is 4 h 45 min
